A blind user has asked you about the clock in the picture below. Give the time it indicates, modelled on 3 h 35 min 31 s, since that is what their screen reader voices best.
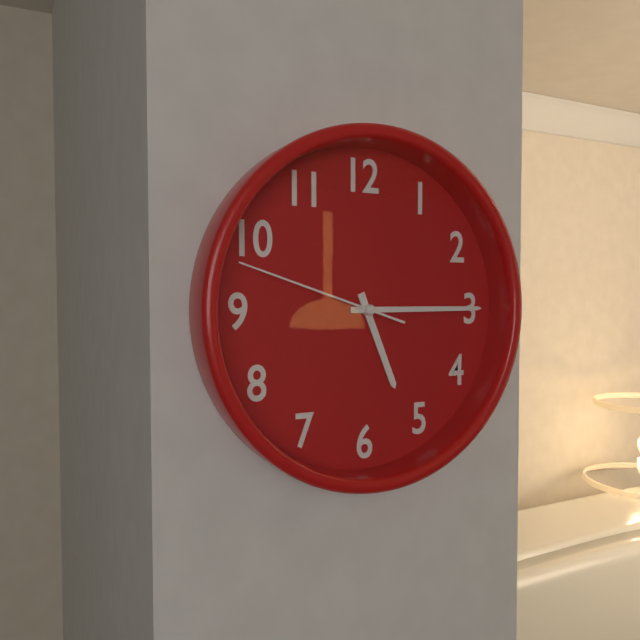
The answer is 5 h 15 min 48 s
